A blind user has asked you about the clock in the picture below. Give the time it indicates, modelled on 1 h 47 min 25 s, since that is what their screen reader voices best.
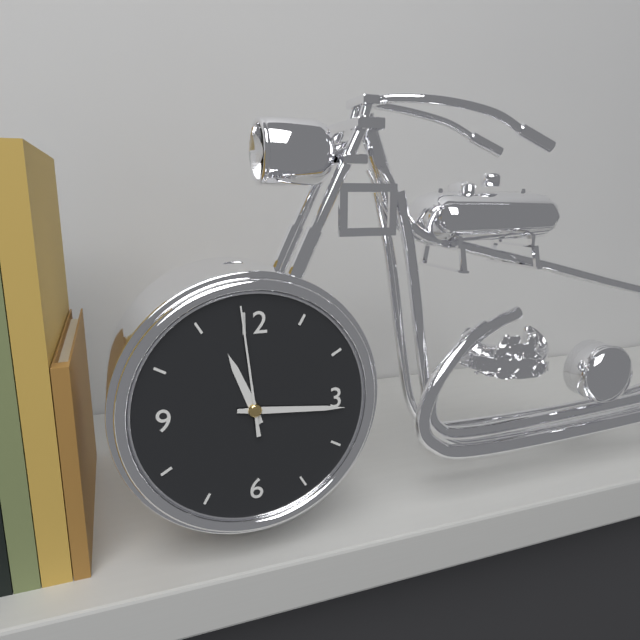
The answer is 11 h 16 min 59 s
